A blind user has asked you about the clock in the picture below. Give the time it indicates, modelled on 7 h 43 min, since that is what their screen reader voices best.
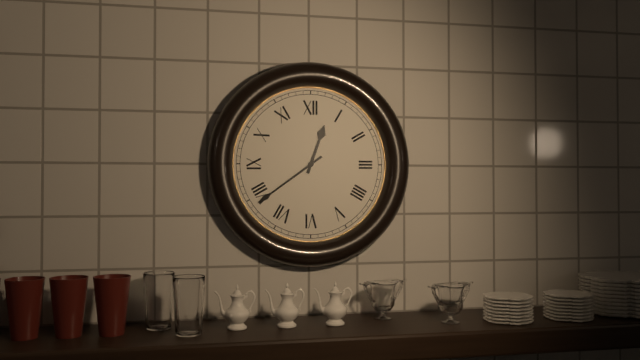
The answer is 12 h 39 min
